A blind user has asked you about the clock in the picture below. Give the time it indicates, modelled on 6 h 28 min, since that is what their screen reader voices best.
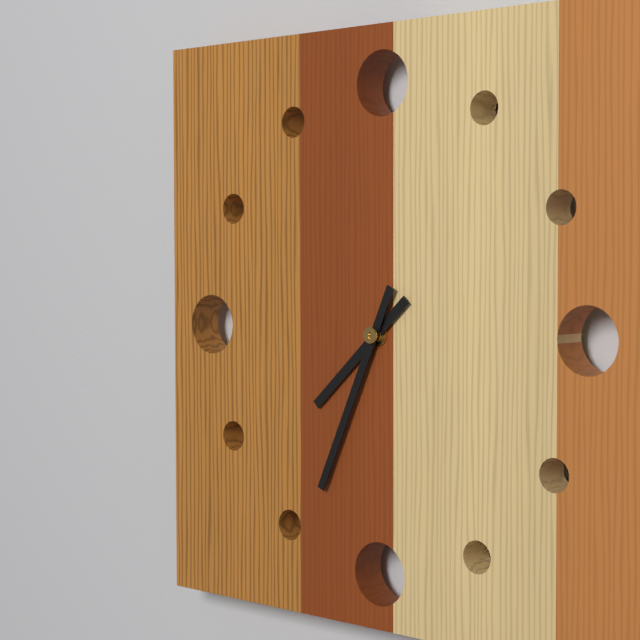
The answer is 7 h 34 min
